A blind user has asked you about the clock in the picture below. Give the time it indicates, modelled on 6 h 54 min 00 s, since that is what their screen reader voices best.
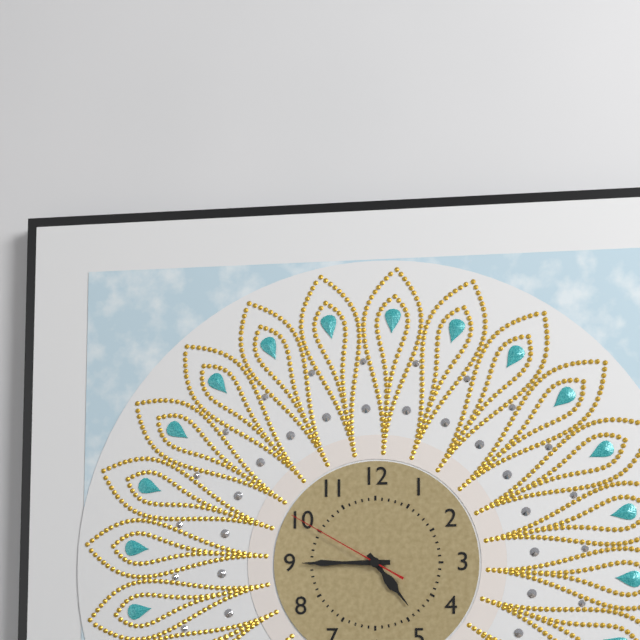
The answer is 4 h 45 min 50 s
